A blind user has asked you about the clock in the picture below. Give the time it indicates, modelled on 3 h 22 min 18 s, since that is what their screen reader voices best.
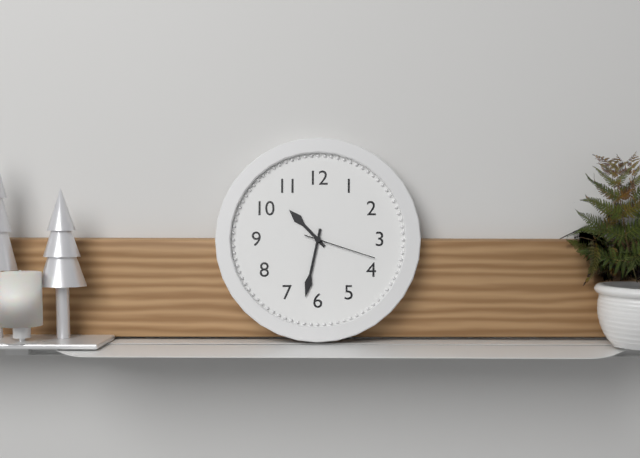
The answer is 10 h 32 min 18 s
